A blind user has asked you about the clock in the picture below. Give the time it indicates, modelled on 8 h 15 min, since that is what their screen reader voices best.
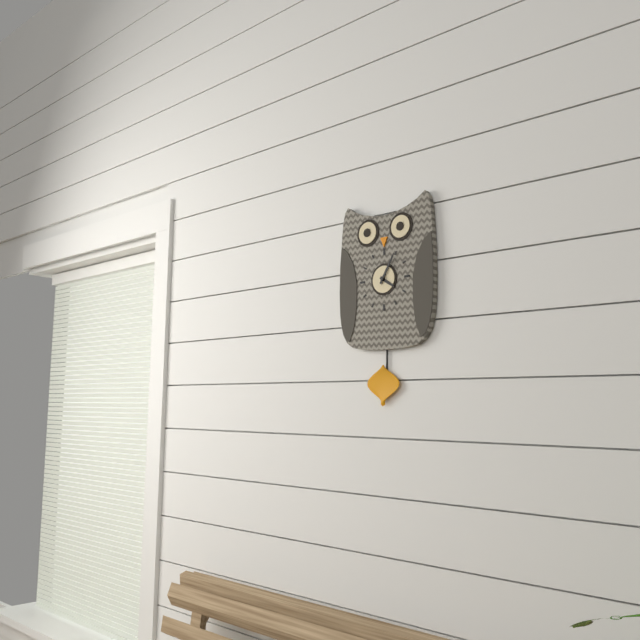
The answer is 4 h 05 min
